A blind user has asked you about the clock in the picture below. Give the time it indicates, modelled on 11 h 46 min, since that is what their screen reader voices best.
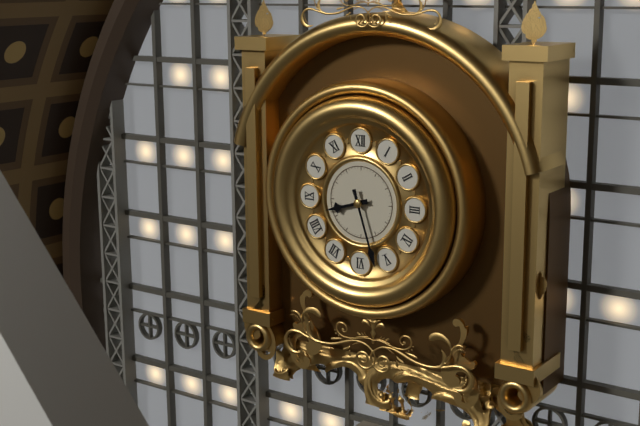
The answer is 8 h 27 min
